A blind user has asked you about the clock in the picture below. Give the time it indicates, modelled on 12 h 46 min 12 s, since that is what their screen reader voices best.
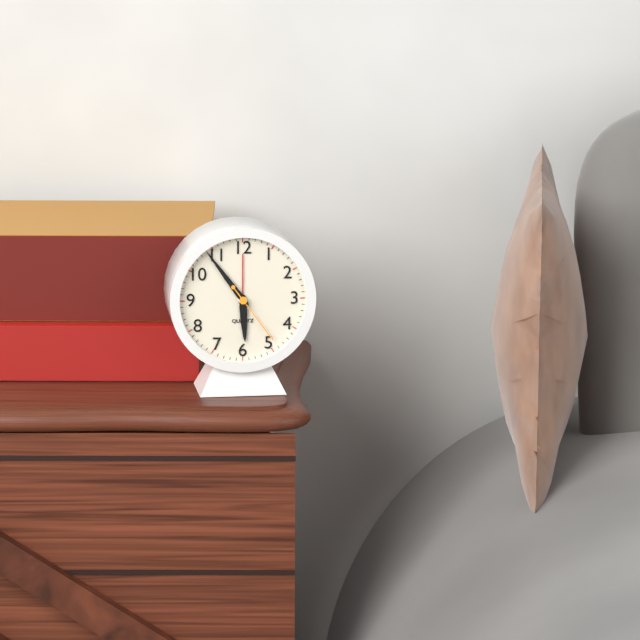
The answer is 5 h 54 min 24 s
